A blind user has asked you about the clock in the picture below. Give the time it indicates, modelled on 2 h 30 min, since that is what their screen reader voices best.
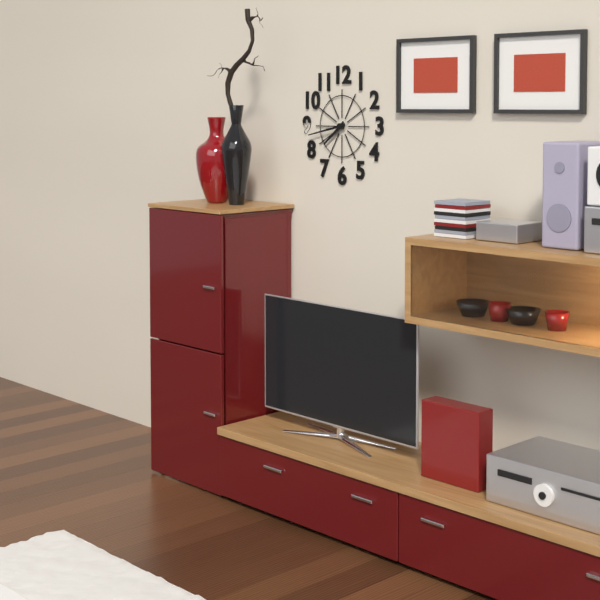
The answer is 7 h 43 min
